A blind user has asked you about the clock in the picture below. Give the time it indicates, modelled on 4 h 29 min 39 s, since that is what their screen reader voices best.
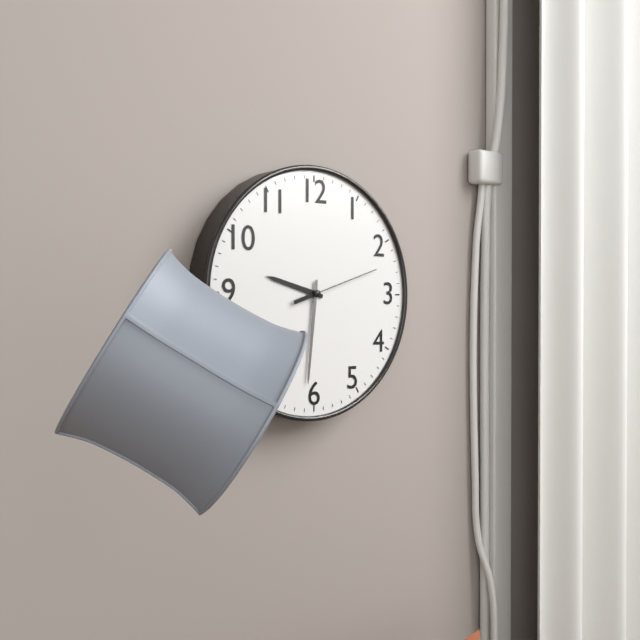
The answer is 9 h 31 min 12 s
